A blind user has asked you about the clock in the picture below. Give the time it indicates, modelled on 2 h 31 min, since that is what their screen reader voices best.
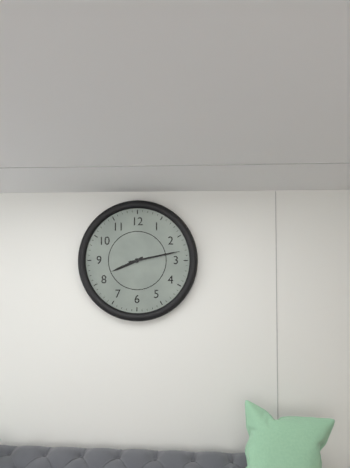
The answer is 8 h 13 min
